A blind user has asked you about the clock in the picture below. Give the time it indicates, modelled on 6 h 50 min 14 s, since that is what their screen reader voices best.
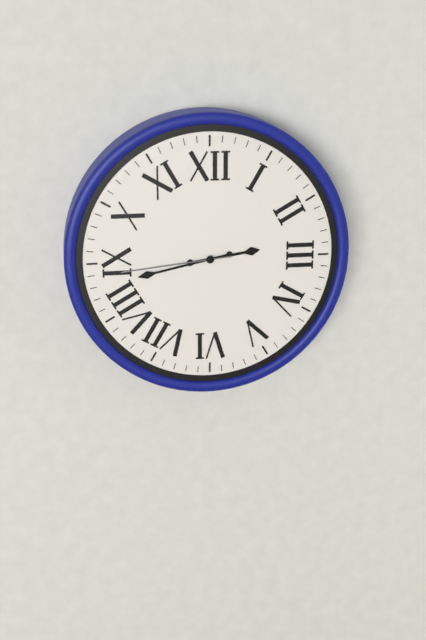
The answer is 2 h 43 min 44 s
